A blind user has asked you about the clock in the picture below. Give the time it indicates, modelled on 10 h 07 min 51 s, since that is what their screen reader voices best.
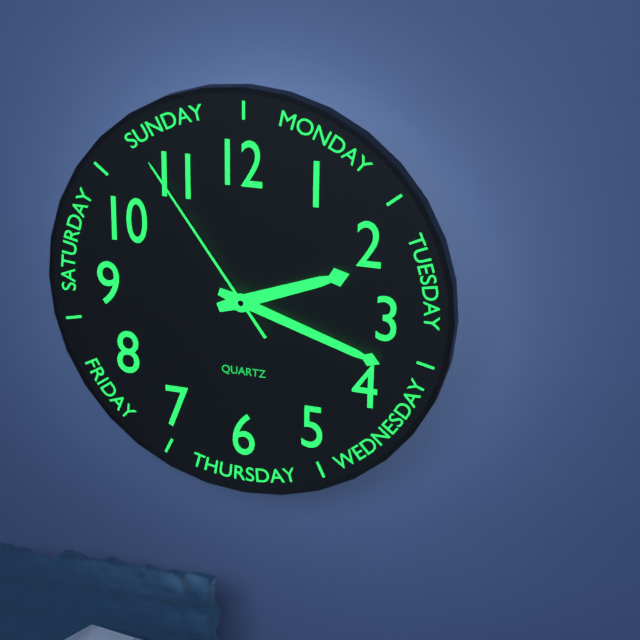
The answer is 2 h 18 min 54 s
